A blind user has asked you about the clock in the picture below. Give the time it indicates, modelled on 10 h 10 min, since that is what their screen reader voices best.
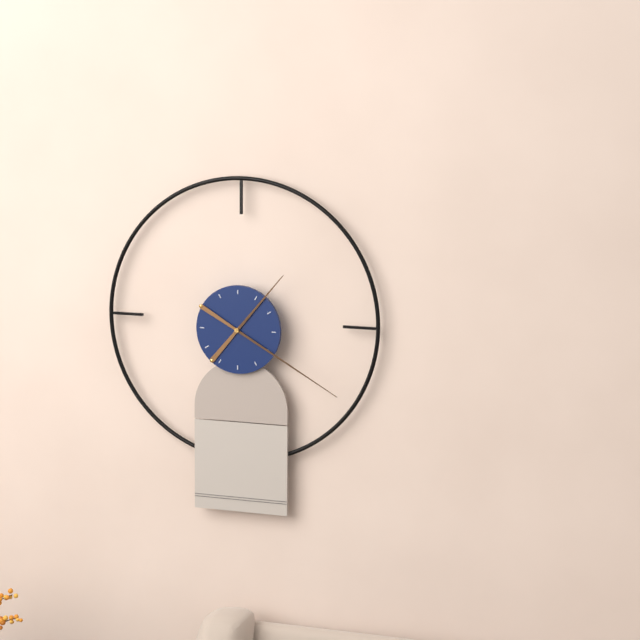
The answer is 1 h 20 min
